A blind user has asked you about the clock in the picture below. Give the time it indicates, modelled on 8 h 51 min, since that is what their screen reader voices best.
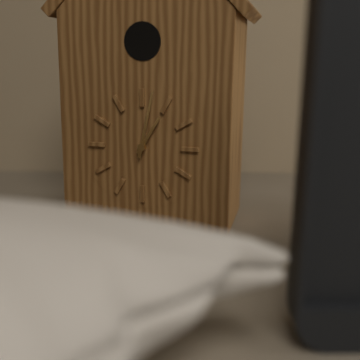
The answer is 1 h 02 min
